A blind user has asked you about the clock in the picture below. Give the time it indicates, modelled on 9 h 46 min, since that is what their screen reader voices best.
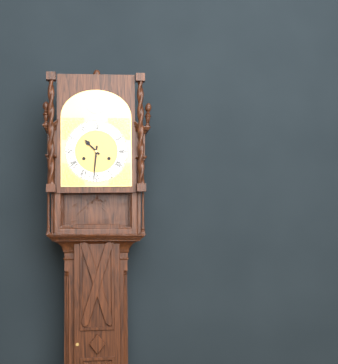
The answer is 10 h 31 min
